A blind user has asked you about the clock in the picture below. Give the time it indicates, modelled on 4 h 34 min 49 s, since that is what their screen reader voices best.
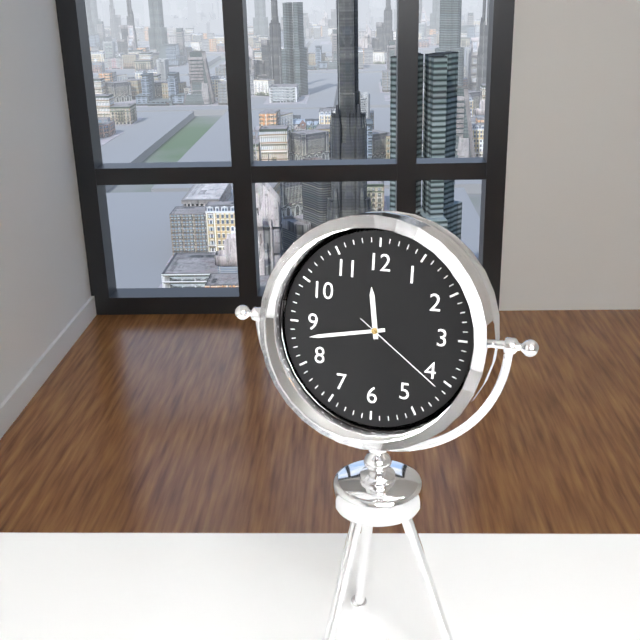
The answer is 11 h 43 min 21 s
